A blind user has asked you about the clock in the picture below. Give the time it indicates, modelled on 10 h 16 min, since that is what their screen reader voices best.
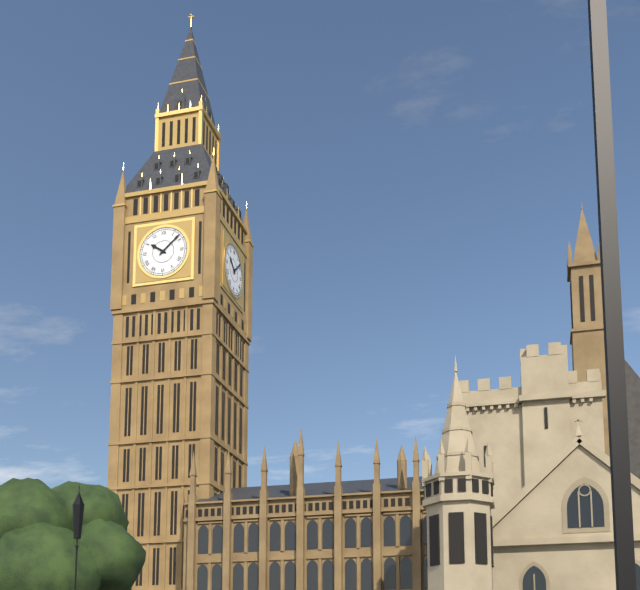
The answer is 10 h 08 min
